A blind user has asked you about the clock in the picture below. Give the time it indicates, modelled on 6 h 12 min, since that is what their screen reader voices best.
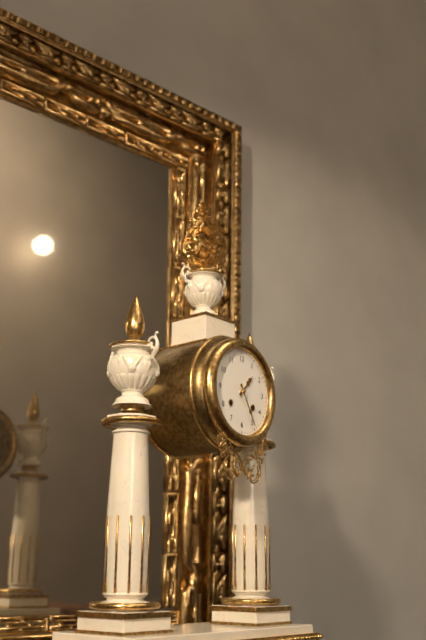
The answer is 1 h 25 min
